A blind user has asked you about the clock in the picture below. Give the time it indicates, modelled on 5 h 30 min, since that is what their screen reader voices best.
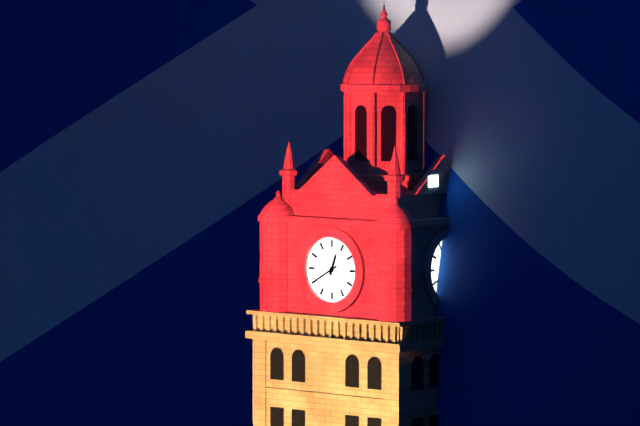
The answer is 12 h 40 min
